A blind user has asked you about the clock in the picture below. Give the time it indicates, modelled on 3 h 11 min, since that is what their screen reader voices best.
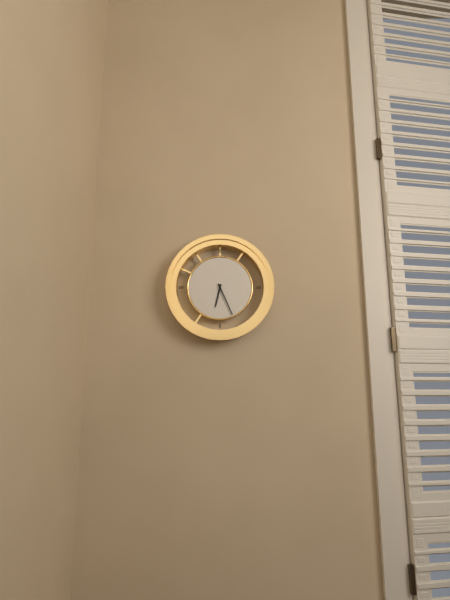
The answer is 6 h 26 min
